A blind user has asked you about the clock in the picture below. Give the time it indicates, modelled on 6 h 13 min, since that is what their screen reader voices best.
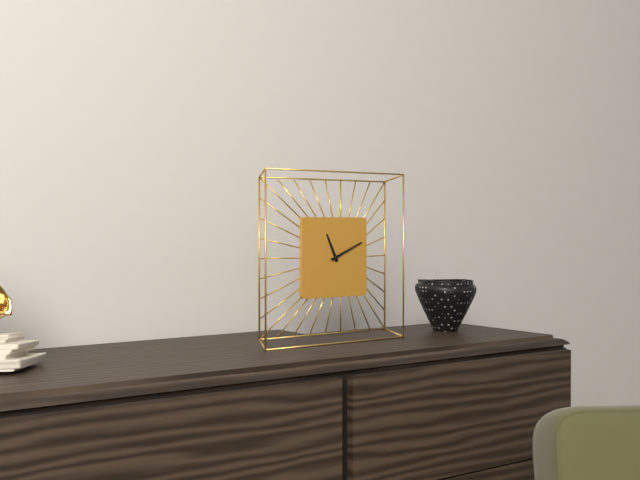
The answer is 11 h 11 min
